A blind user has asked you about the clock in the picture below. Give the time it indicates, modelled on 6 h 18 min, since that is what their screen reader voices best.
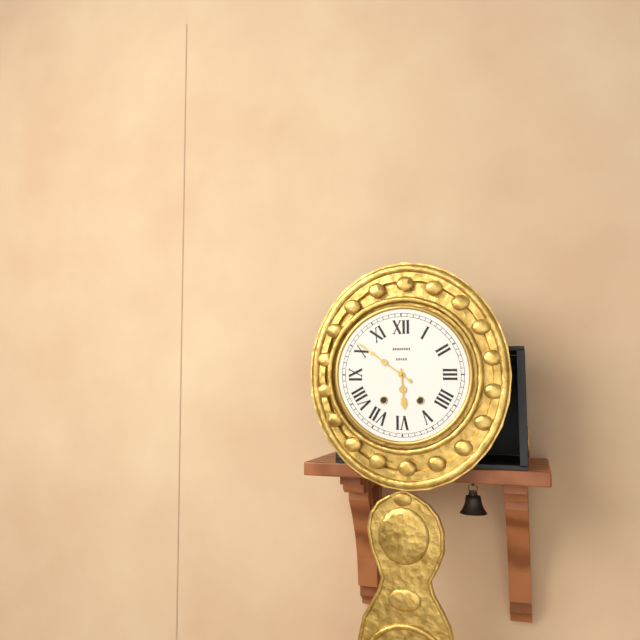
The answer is 5 h 51 min
